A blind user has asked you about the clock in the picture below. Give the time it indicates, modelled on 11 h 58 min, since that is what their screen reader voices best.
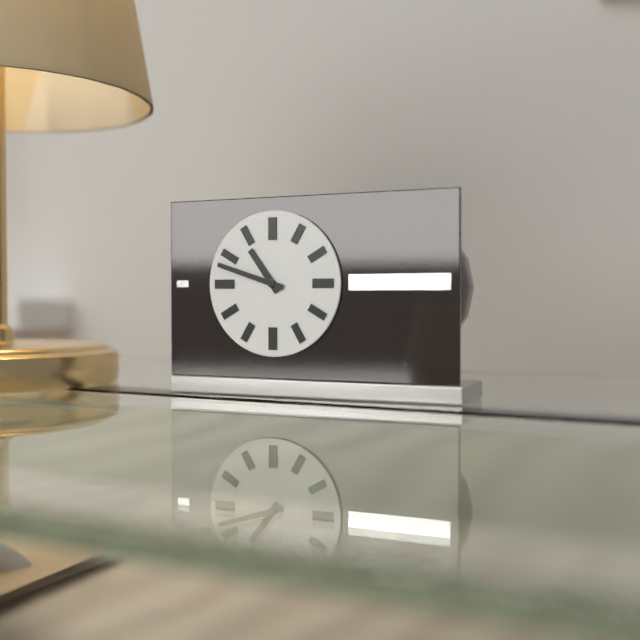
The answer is 10 h 48 min
